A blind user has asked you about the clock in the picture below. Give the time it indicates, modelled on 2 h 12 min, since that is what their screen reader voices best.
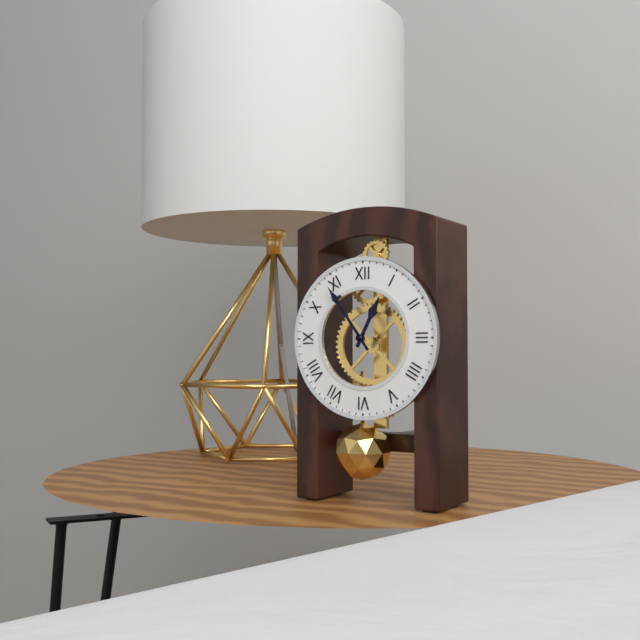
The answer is 12 h 54 min
